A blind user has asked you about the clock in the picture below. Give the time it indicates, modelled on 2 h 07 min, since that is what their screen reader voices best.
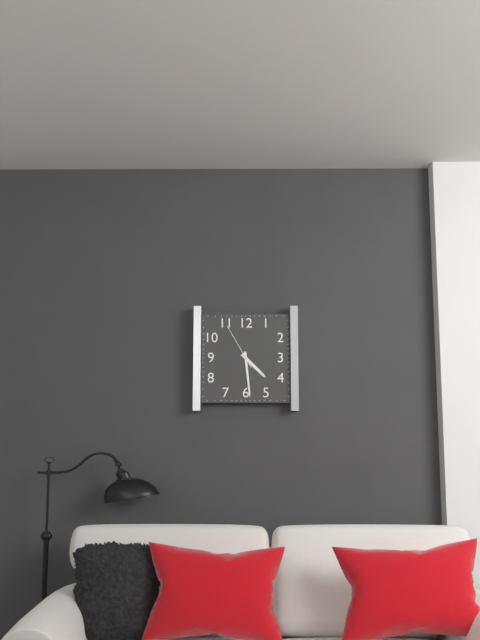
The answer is 4 h 29 min
